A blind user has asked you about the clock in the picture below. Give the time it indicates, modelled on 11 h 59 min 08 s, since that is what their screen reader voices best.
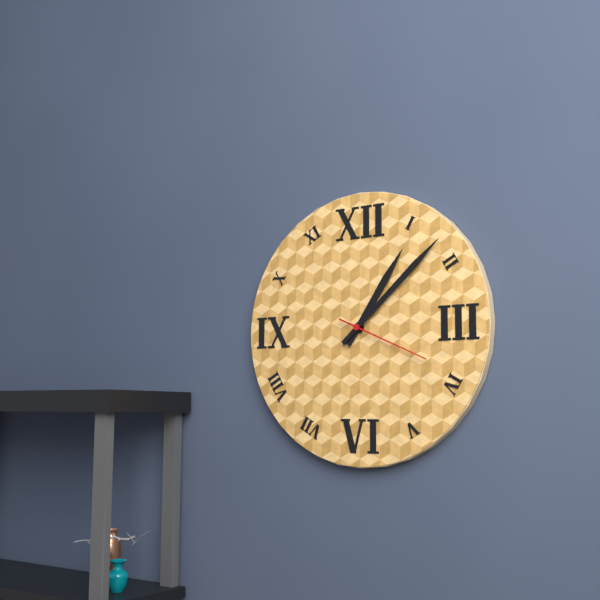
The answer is 1 h 08 min 19 s
